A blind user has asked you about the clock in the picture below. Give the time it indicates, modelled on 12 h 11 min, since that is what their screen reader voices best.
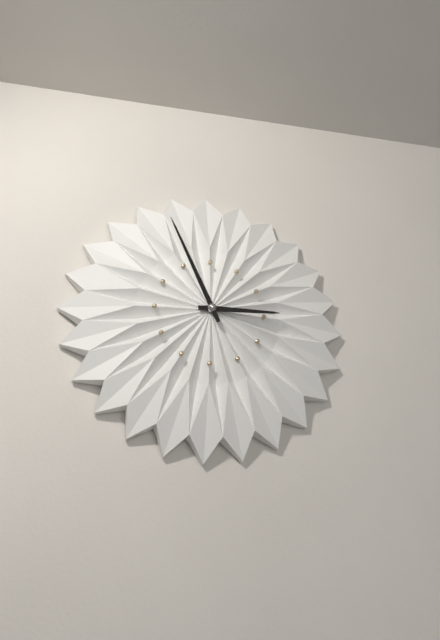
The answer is 2 h 56 min
